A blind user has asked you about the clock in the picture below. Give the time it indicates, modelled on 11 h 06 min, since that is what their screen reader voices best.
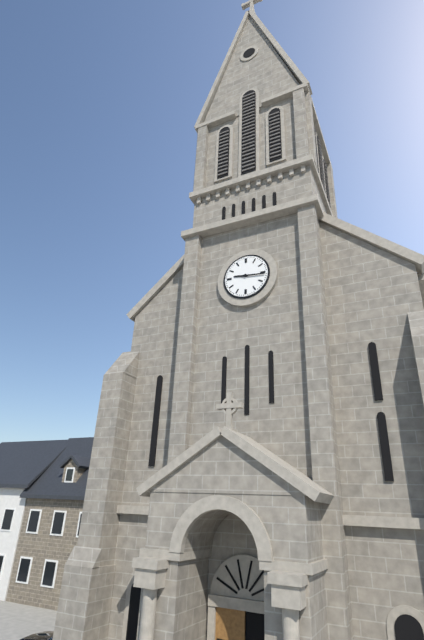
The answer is 9 h 16 min
